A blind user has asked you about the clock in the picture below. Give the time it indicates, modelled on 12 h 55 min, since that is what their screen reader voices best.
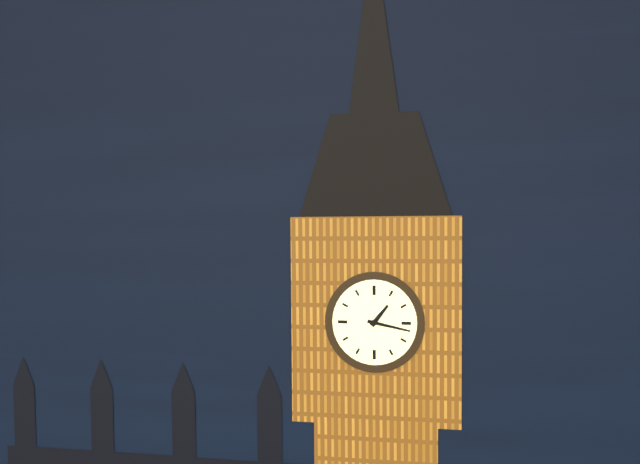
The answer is 1 h 17 min
